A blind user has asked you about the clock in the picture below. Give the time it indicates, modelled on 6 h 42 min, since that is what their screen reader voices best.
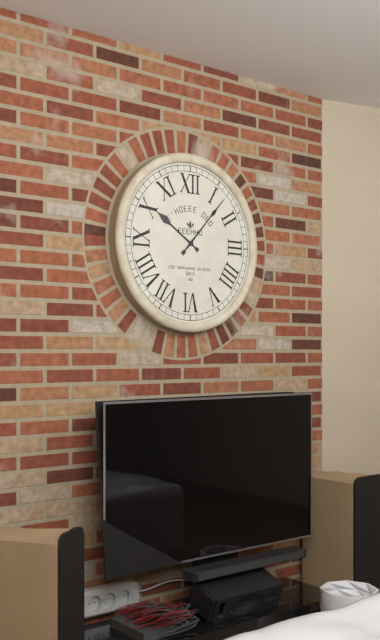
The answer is 10 h 07 min
